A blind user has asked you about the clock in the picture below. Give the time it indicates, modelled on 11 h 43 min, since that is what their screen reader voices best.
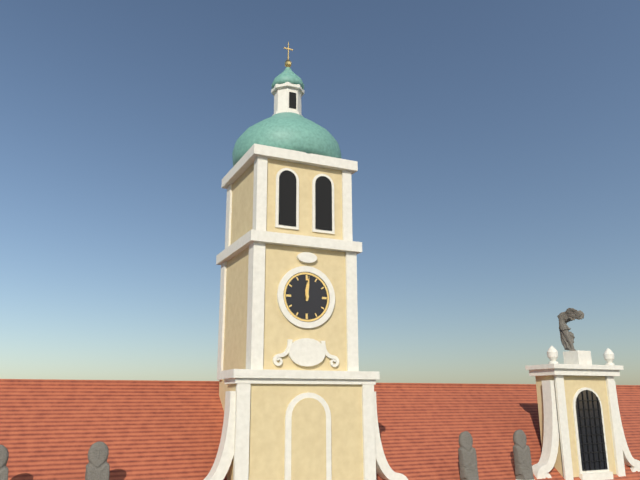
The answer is 12 h 01 min
